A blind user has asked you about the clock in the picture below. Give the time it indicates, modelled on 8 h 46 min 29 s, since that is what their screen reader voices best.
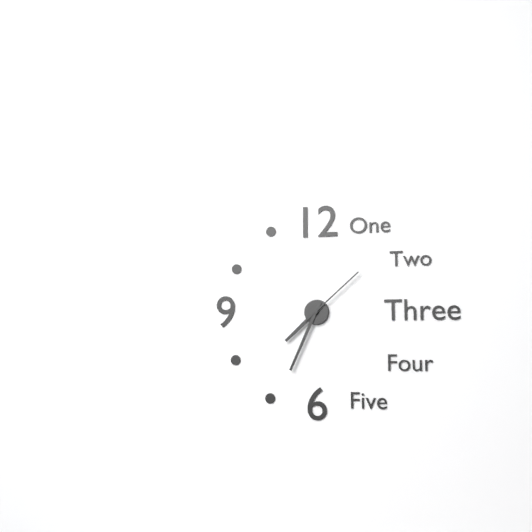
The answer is 7 h 34 min 08 s
